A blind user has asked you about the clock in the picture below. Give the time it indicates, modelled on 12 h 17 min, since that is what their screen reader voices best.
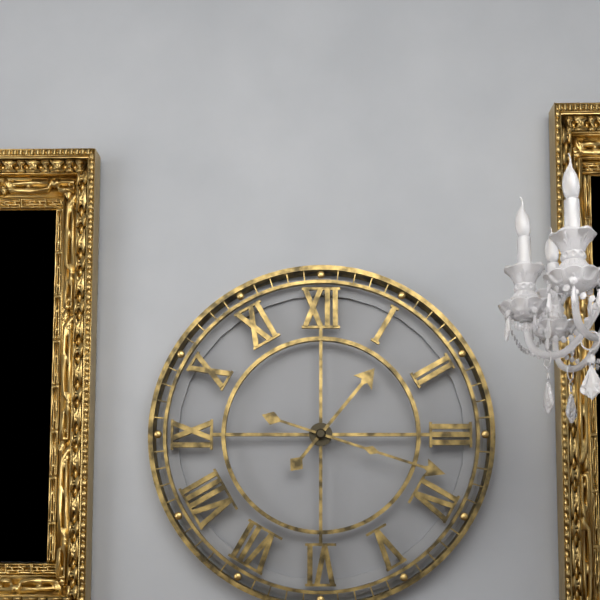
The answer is 1 h 18 min
